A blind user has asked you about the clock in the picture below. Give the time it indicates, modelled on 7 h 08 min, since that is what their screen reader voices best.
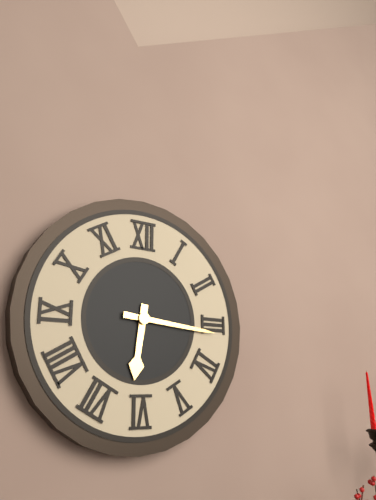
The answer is 6 h 16 min
